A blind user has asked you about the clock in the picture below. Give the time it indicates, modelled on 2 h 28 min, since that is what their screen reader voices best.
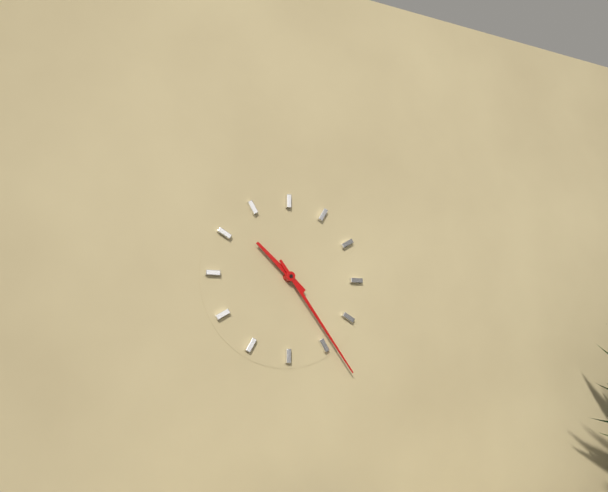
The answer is 10 h 24 min
